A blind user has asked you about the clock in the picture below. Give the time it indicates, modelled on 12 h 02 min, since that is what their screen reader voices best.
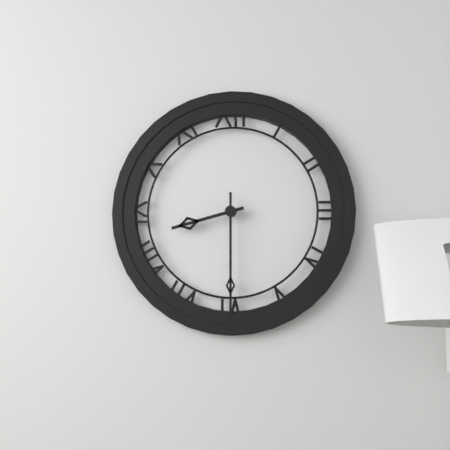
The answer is 8 h 30 min
